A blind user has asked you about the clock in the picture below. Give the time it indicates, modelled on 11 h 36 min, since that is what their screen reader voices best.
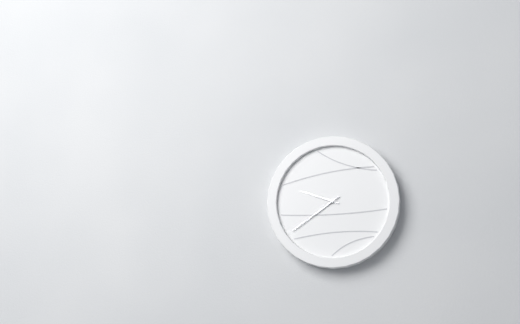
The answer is 9 h 39 min
